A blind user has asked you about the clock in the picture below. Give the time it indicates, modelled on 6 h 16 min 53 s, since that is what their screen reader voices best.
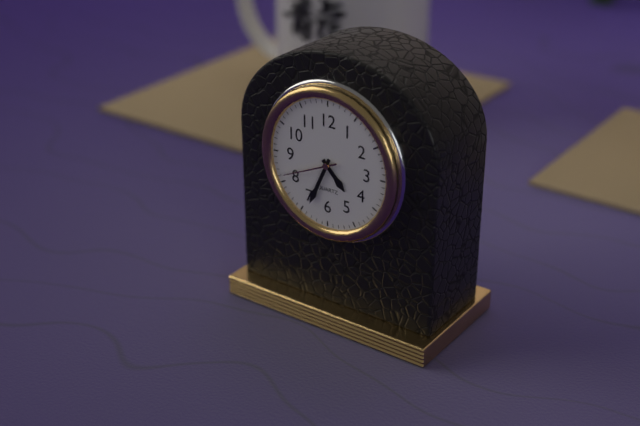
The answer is 4 h 34 min 41 s
